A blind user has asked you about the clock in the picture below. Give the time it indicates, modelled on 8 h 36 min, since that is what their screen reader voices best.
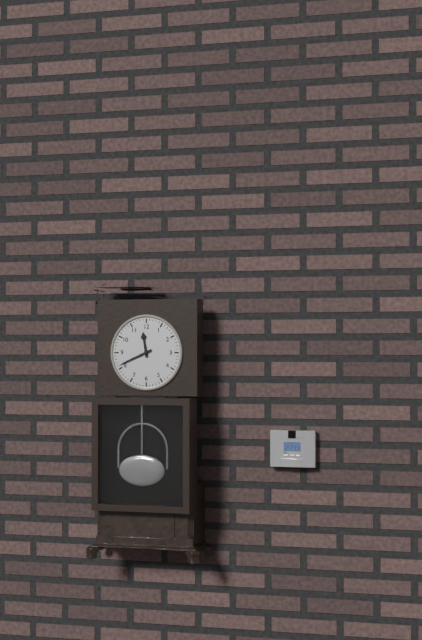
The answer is 11 h 41 min
